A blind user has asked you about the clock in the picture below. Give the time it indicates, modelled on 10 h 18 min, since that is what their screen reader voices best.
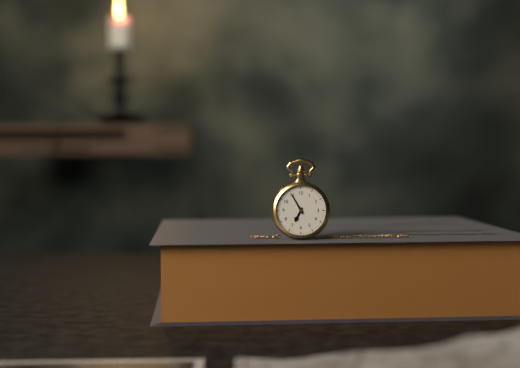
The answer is 6 h 55 min
